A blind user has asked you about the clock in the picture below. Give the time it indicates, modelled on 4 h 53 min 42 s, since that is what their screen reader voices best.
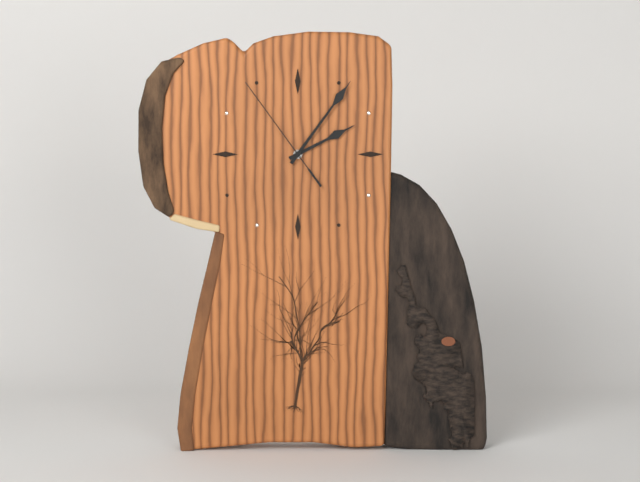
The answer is 2 h 06 min 54 s
